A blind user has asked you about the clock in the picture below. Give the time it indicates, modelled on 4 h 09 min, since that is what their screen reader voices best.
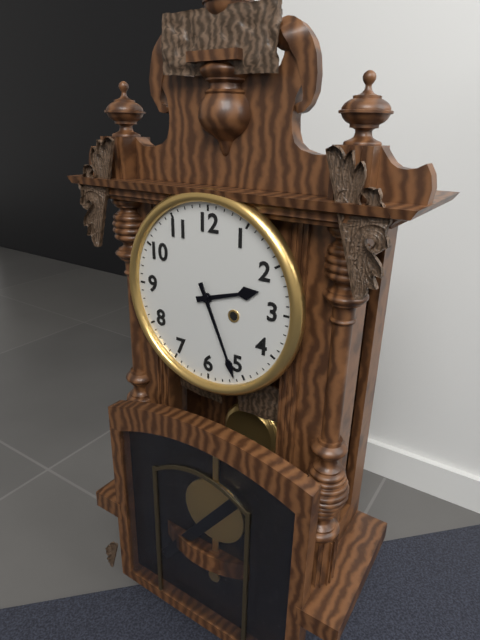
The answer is 2 h 26 min
